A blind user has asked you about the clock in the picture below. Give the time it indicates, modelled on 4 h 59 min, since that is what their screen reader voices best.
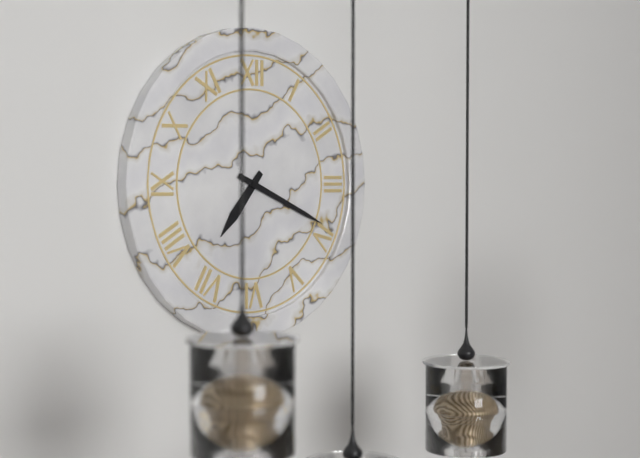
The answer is 7 h 19 min
